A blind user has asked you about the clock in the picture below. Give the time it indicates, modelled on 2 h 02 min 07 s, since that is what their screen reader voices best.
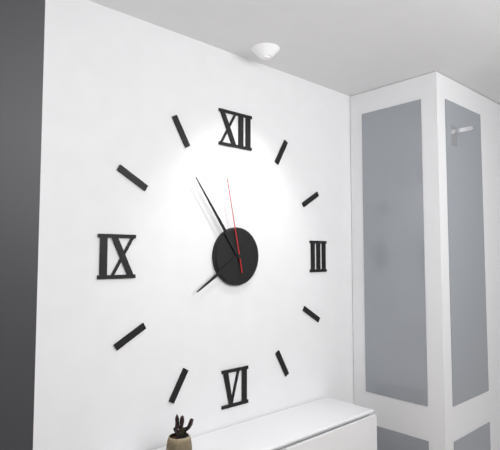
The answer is 7 h 54 min 58 s
